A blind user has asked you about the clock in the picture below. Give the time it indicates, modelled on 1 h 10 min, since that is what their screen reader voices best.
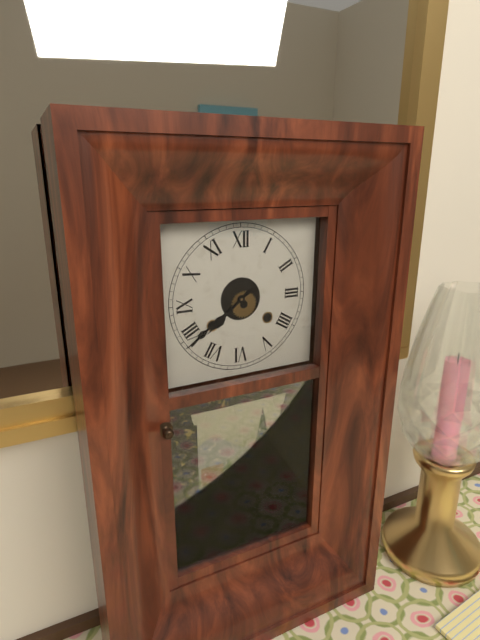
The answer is 7 h 39 min
